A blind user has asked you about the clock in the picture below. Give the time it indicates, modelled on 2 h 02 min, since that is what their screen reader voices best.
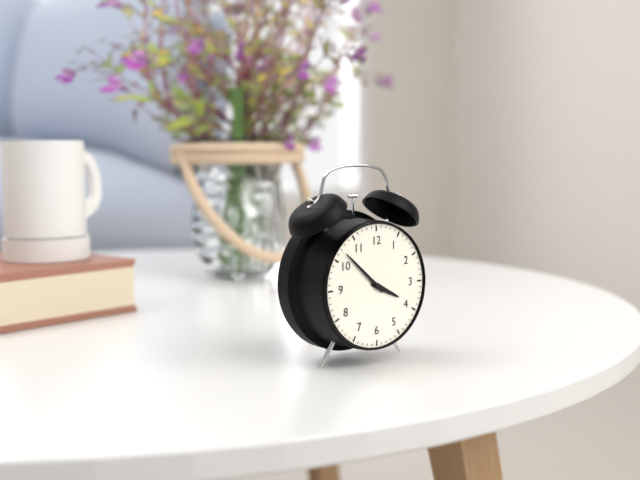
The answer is 3 h 52 min
